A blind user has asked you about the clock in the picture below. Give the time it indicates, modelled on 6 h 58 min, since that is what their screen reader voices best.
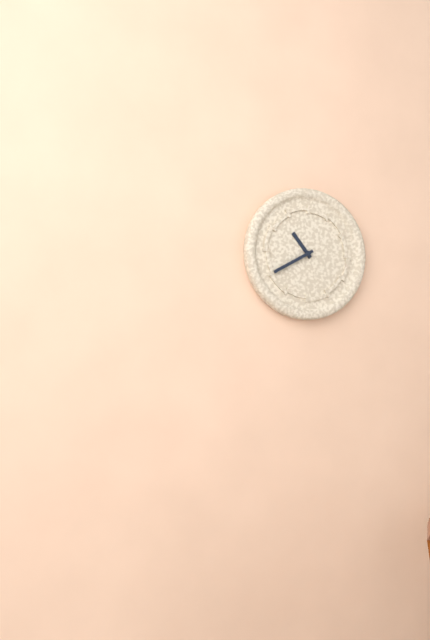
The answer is 10 h 40 min
